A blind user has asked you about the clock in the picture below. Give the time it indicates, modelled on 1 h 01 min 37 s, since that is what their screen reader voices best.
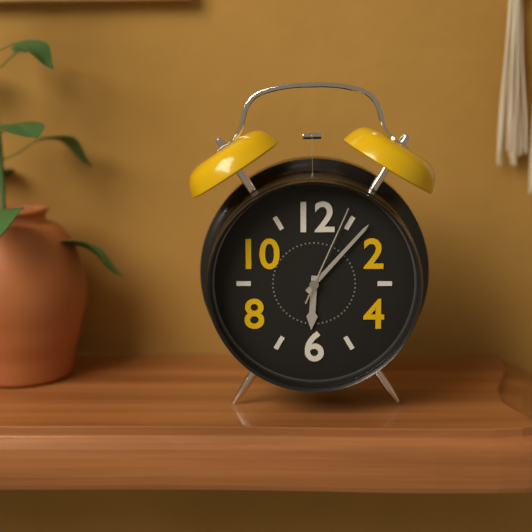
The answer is 6 h 07 min 04 s
